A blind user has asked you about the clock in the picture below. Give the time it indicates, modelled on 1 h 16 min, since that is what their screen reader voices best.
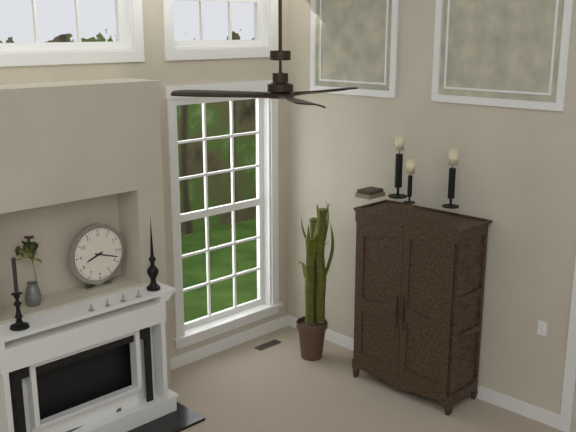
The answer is 8 h 18 min
